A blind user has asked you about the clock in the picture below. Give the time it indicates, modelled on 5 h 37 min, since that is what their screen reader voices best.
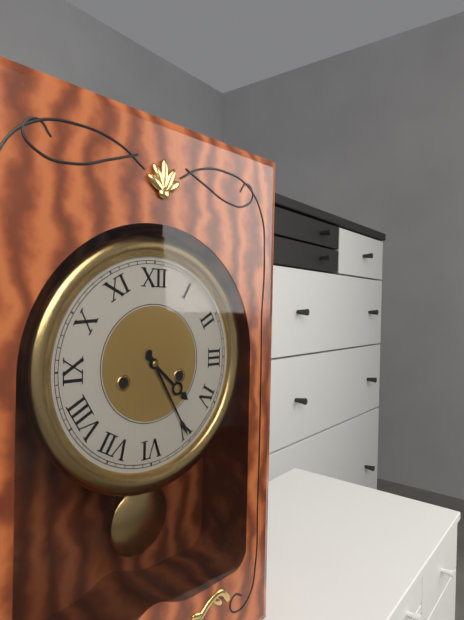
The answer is 4 h 25 min
